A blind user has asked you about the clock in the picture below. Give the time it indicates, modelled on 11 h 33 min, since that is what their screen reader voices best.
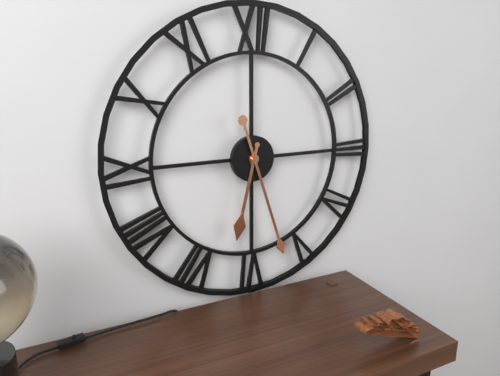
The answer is 6 h 27 min
